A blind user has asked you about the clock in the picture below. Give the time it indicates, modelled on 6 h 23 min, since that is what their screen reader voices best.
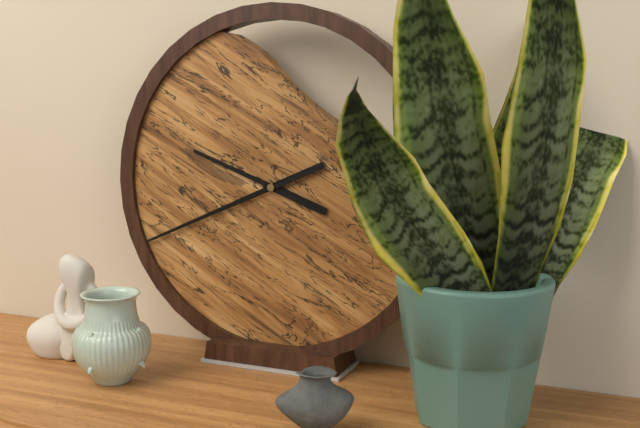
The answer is 9 h 41 min
